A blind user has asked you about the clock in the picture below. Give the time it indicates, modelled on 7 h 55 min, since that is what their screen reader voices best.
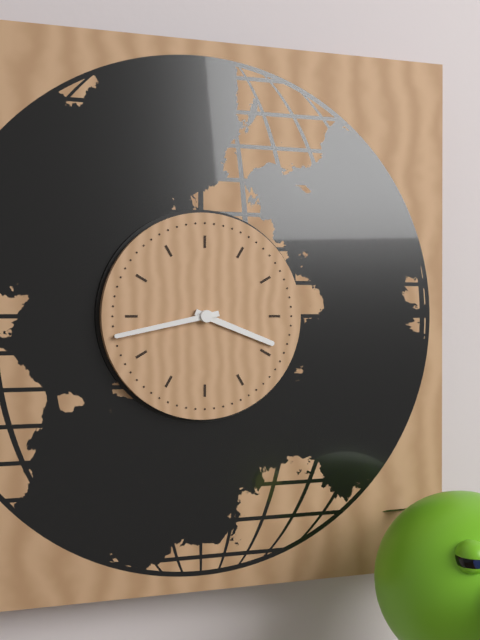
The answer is 3 h 43 min
